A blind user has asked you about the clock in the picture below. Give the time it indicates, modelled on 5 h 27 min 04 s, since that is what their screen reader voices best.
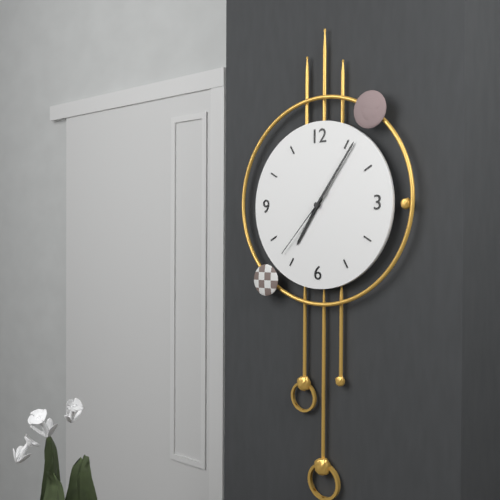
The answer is 7 h 06 min 37 s
